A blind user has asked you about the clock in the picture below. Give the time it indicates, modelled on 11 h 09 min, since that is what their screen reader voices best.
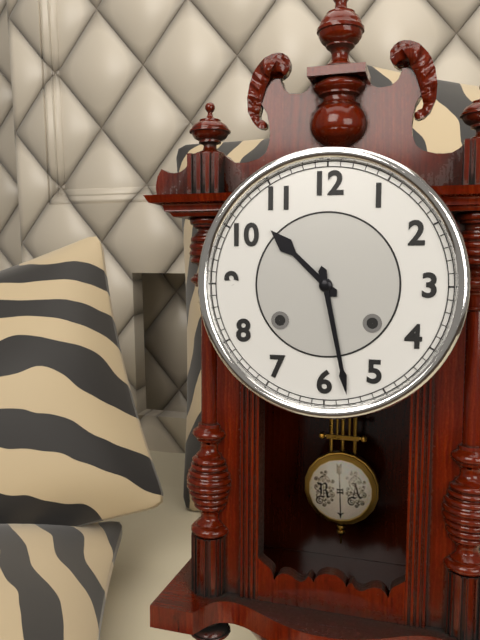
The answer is 10 h 28 min
